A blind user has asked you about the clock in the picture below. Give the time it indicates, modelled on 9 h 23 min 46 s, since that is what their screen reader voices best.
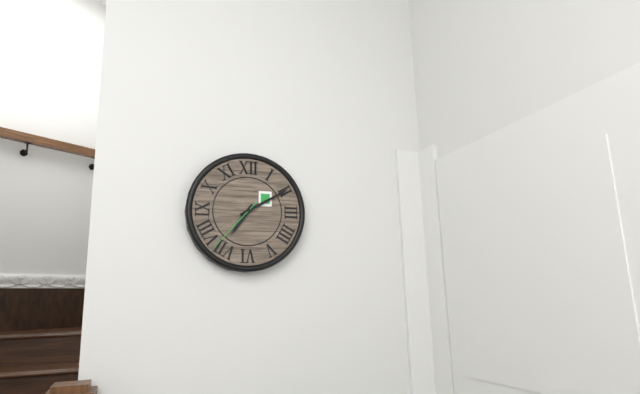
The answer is 7 h 10 min 37 s
